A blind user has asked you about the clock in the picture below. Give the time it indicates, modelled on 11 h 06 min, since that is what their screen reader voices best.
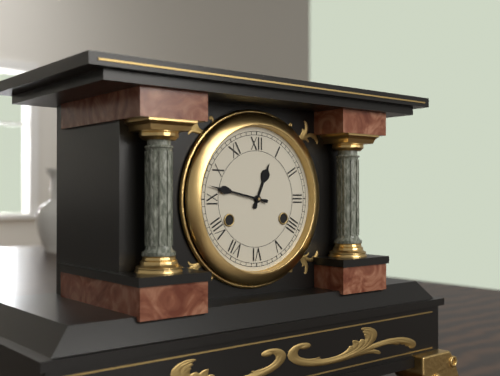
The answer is 12 h 47 min
